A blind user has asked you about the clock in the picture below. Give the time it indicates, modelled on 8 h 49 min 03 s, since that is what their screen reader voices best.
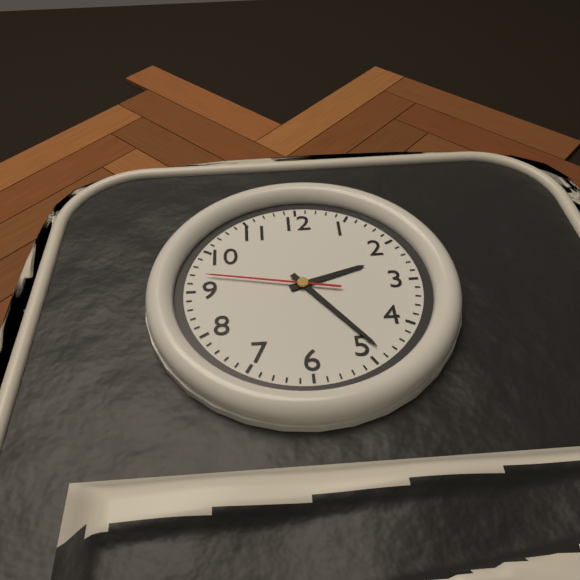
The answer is 2 h 24 min 47 s
